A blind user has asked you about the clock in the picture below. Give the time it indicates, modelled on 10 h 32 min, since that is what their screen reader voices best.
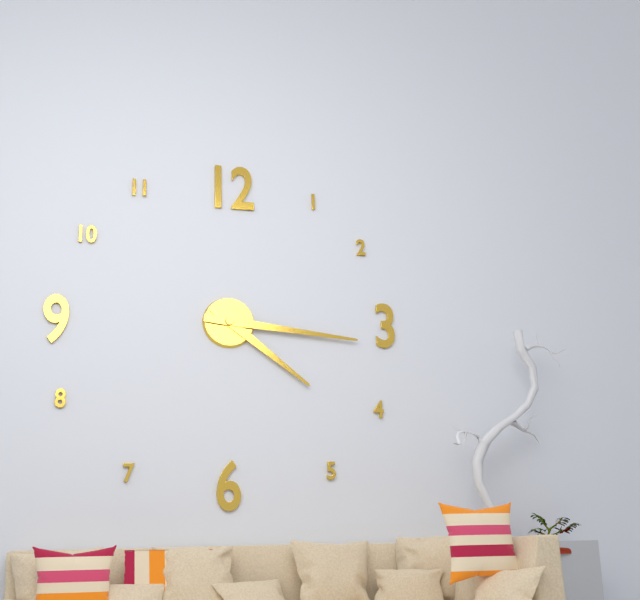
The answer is 4 h 16 min
